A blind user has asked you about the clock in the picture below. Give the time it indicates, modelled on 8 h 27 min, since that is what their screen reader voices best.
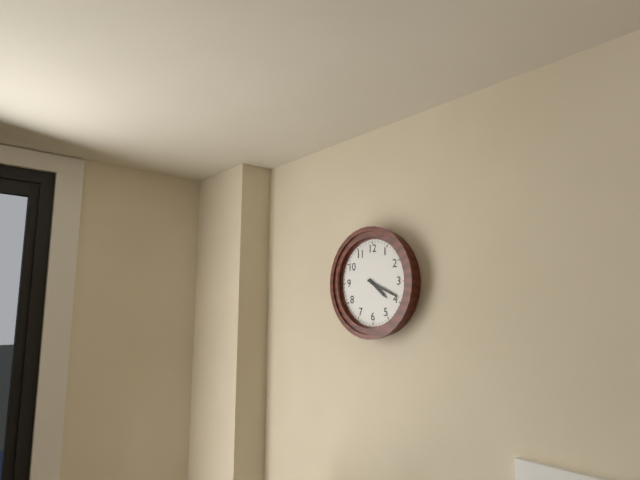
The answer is 4 h 19 min
